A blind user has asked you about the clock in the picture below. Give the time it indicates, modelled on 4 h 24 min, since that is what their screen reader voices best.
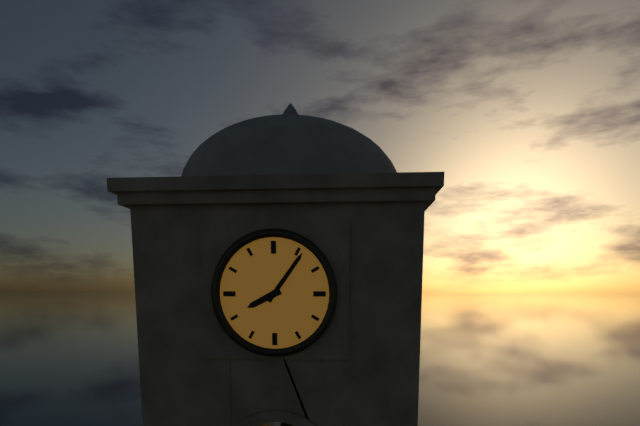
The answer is 8 h 06 min
